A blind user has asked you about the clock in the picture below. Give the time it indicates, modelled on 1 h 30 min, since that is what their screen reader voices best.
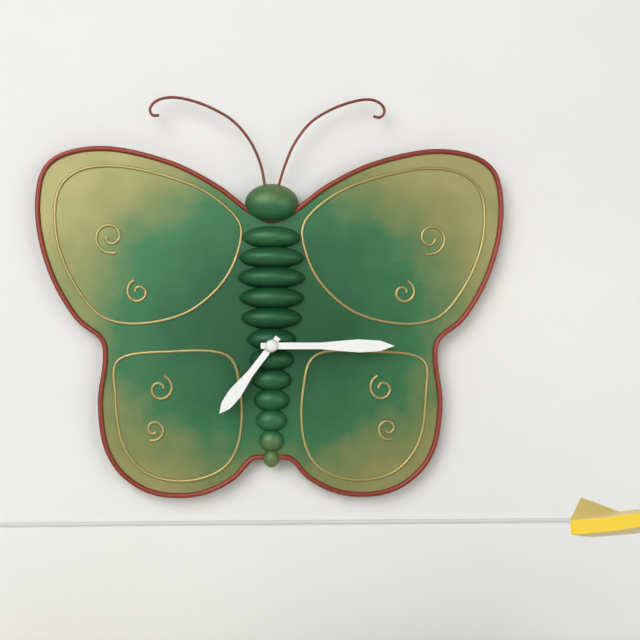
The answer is 7 h 15 min
